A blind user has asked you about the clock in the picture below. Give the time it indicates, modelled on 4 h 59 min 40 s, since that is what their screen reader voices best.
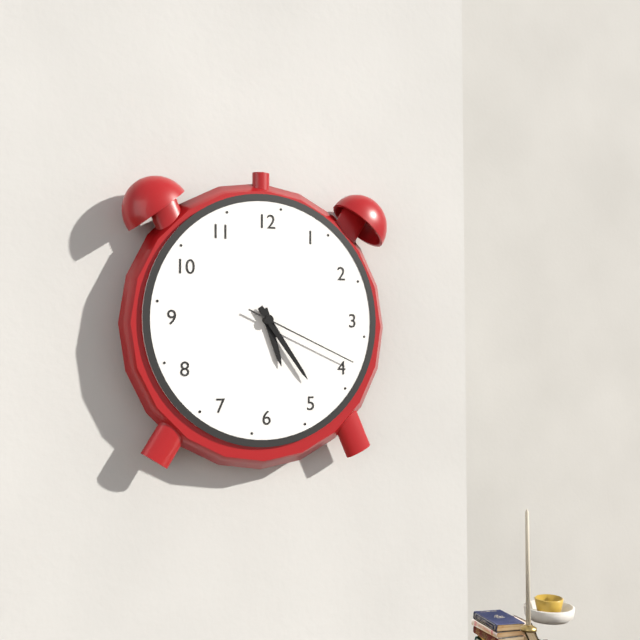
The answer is 5 h 24 min 19 s
